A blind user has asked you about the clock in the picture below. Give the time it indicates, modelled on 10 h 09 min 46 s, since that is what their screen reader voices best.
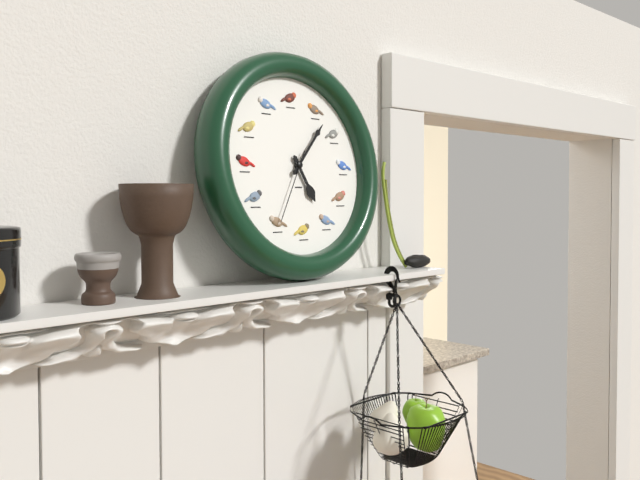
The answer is 5 h 07 min 35 s
